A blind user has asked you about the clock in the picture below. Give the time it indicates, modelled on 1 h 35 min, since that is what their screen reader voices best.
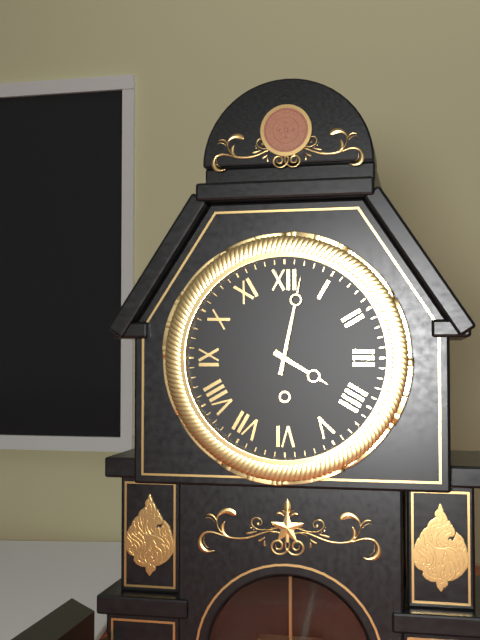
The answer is 4 h 02 min
